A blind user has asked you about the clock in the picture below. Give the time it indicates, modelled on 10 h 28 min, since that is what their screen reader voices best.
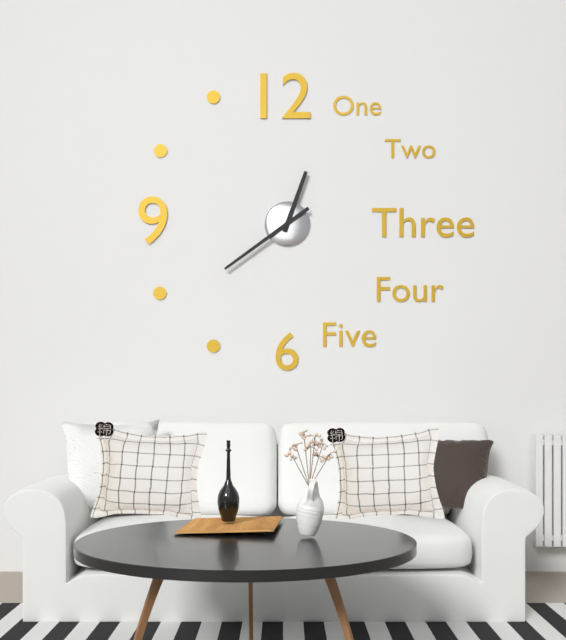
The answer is 12 h 39 min
